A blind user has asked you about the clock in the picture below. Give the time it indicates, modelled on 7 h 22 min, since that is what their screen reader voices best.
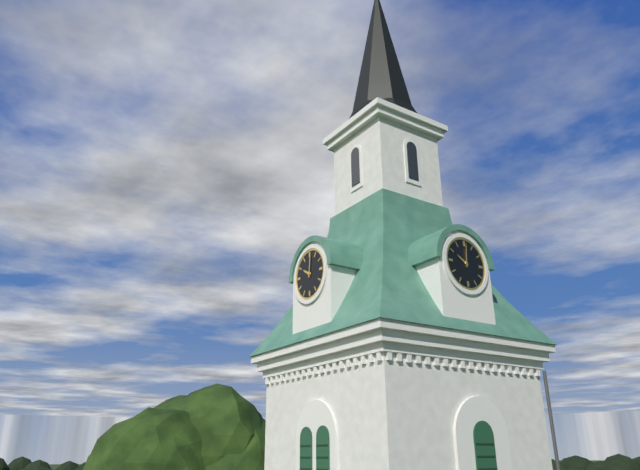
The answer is 10 h 01 min
